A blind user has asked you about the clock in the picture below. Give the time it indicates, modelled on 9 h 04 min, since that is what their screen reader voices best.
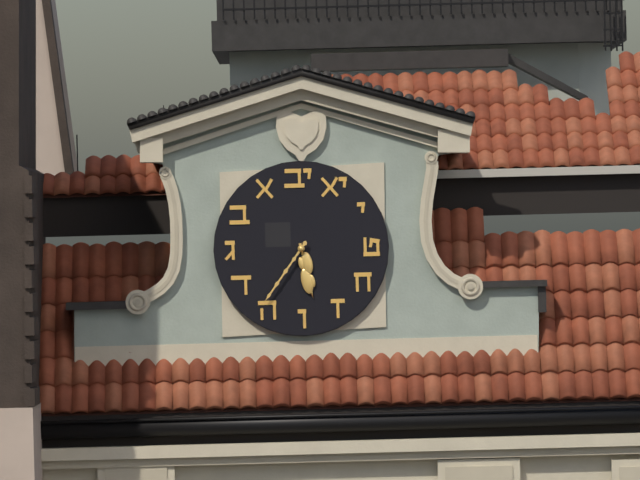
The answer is 5 h 36 min
